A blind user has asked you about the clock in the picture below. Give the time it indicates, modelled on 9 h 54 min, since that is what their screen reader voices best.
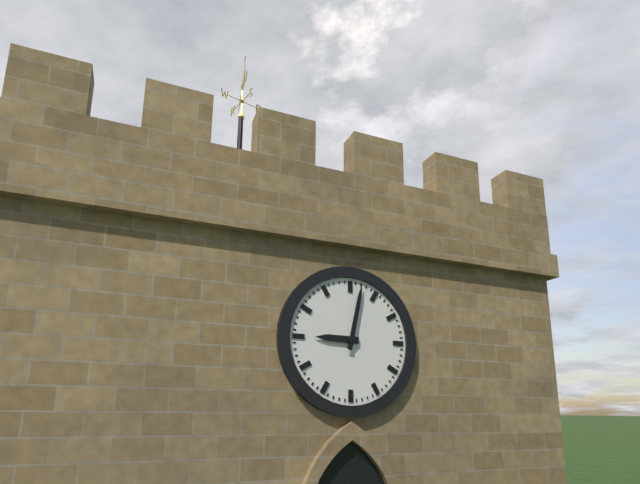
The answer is 9 h 02 min
